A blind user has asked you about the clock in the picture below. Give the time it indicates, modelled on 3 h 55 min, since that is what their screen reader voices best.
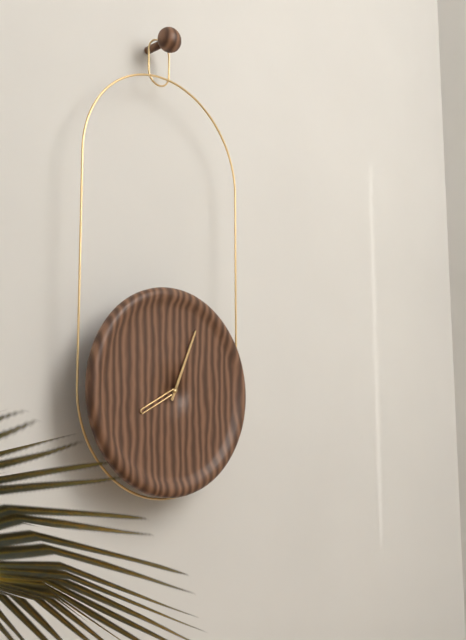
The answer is 8 h 04 min
